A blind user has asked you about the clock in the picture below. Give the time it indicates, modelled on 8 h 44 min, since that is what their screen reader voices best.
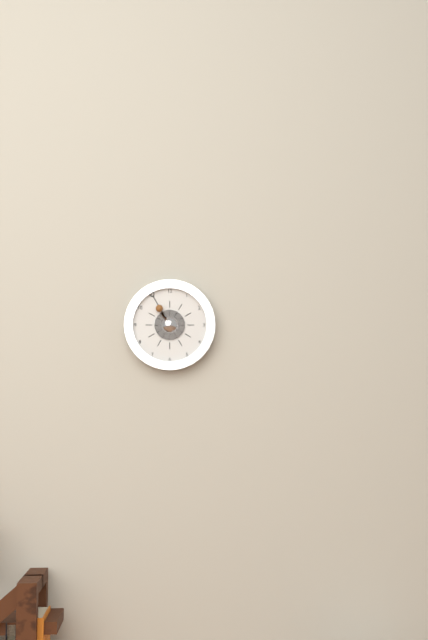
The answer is 10 h 55 min
